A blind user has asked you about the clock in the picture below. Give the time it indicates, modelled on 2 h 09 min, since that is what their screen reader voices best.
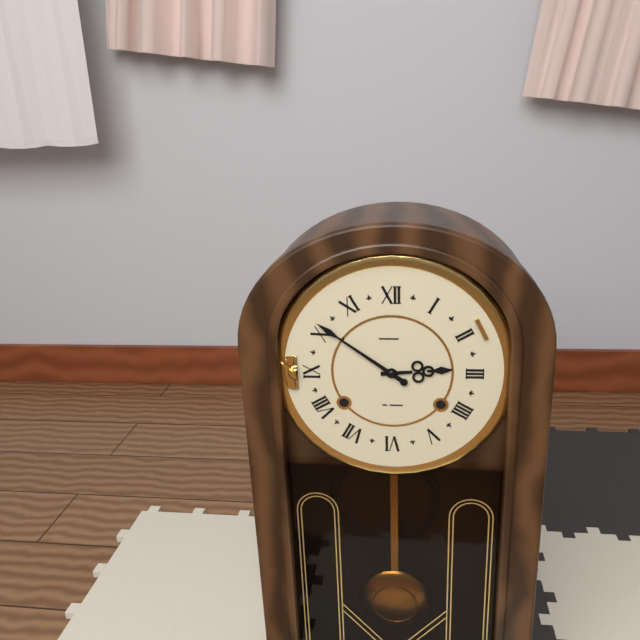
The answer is 2 h 51 min
